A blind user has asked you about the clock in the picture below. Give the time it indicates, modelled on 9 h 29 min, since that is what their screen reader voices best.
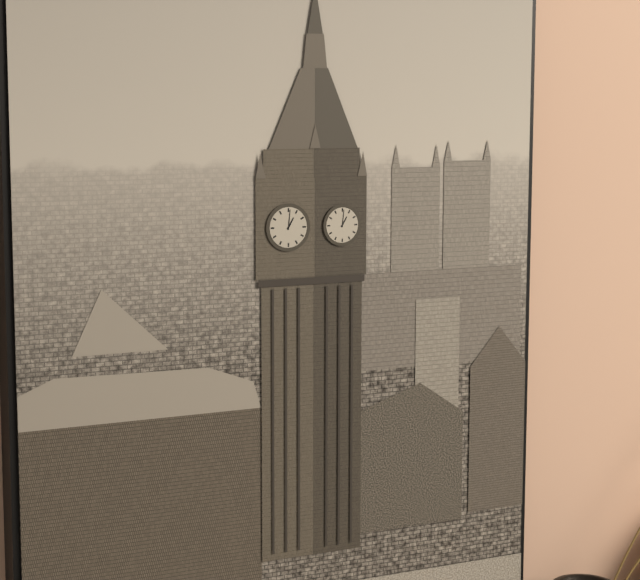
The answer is 1 h 01 min
